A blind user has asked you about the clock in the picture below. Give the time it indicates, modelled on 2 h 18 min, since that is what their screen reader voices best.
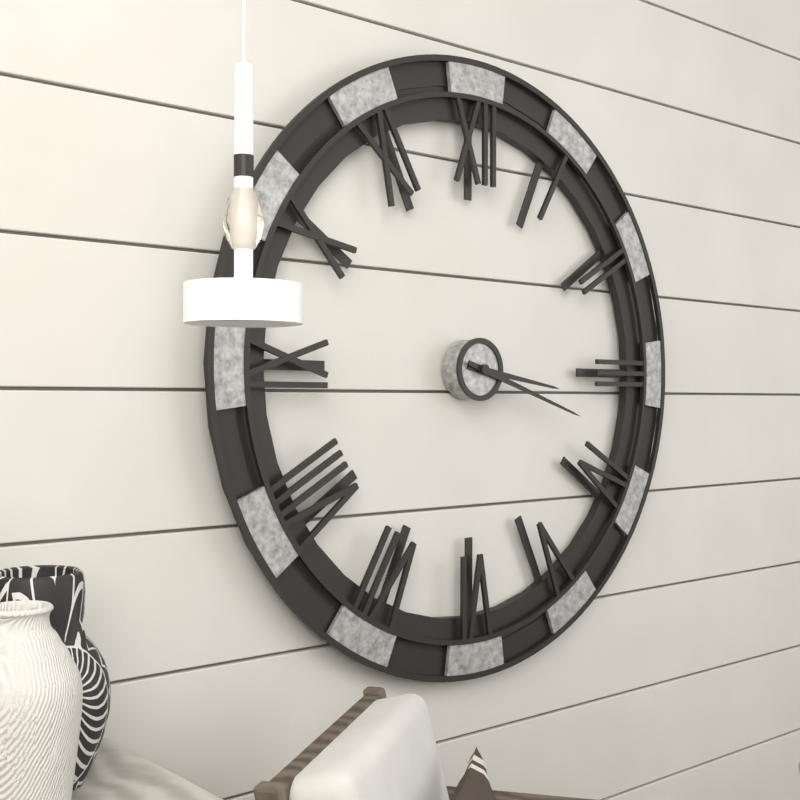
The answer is 3 h 18 min
